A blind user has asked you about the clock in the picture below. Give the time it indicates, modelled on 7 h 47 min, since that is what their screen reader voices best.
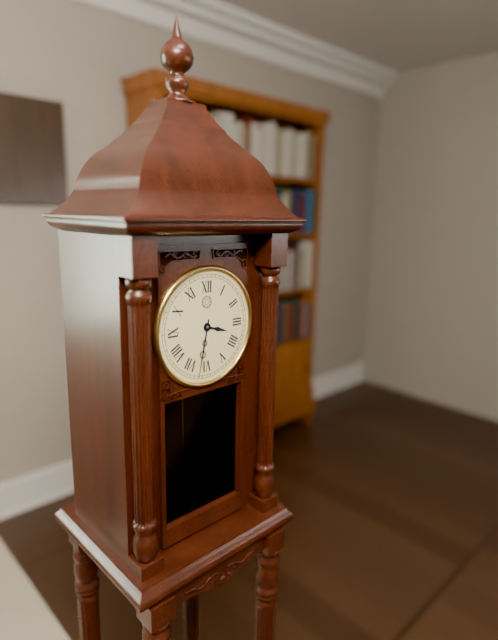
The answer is 3 h 32 min
